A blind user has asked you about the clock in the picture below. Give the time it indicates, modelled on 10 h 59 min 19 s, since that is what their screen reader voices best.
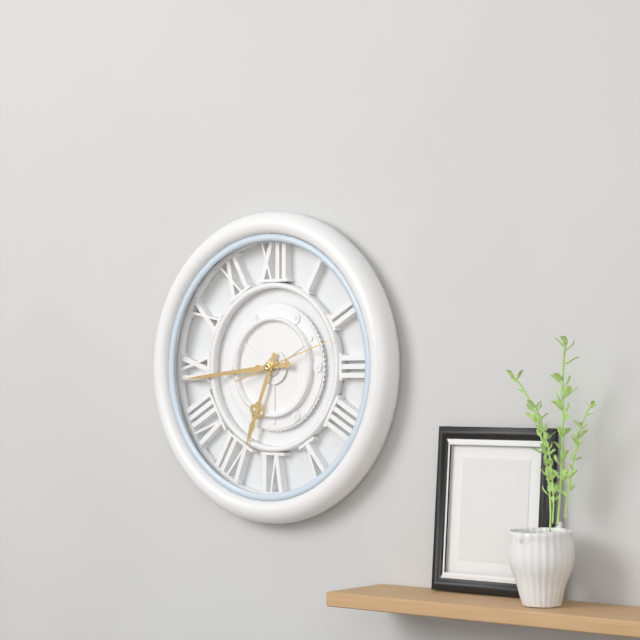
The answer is 6 h 44 min 12 s
